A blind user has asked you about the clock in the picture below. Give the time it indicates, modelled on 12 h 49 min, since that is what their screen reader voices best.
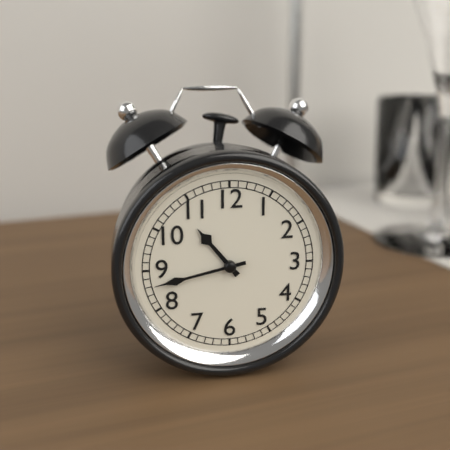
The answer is 10 h 43 min
